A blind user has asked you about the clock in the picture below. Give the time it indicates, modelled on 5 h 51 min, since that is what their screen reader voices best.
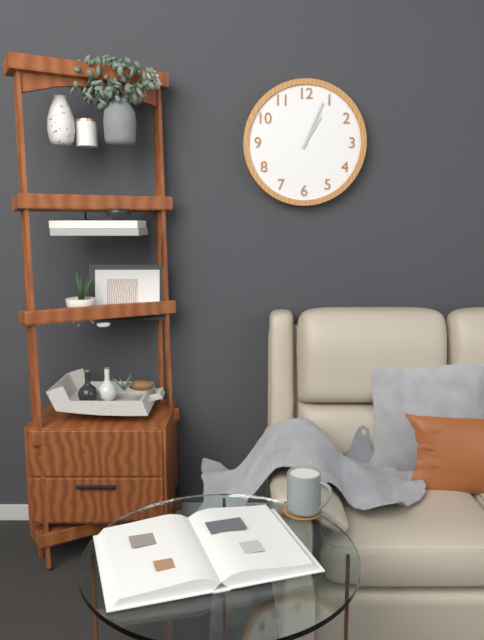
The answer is 1 h 04 min
